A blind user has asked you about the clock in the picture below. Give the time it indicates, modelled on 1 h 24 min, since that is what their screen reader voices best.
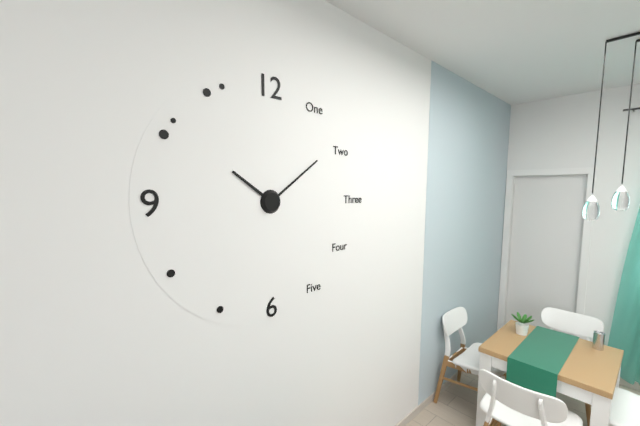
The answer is 10 h 09 min
